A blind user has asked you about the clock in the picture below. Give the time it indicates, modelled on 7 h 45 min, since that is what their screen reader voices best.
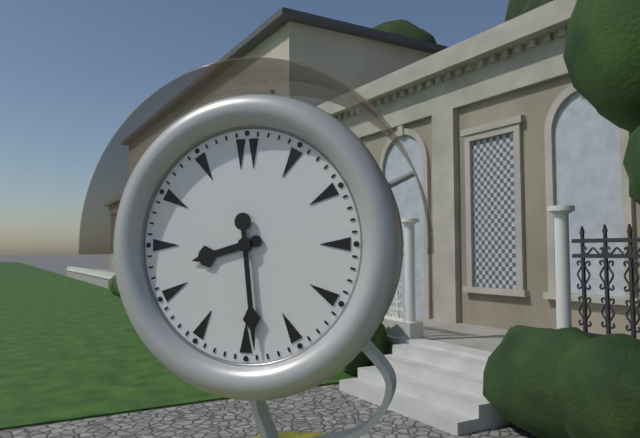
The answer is 8 h 29 min
